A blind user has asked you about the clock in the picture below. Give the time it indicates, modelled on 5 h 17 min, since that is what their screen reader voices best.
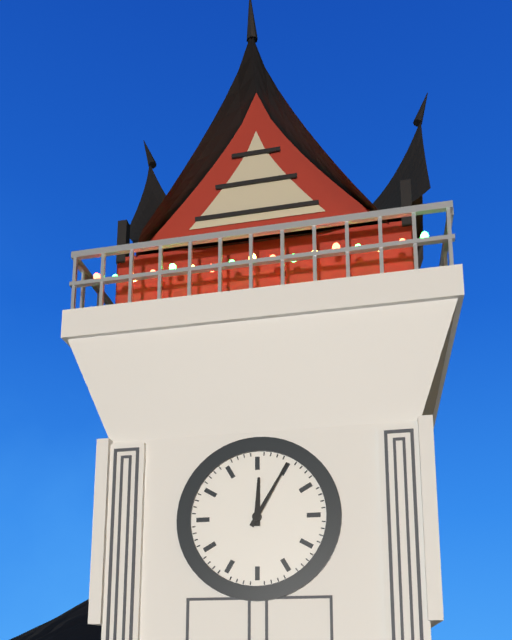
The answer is 12 h 05 min
